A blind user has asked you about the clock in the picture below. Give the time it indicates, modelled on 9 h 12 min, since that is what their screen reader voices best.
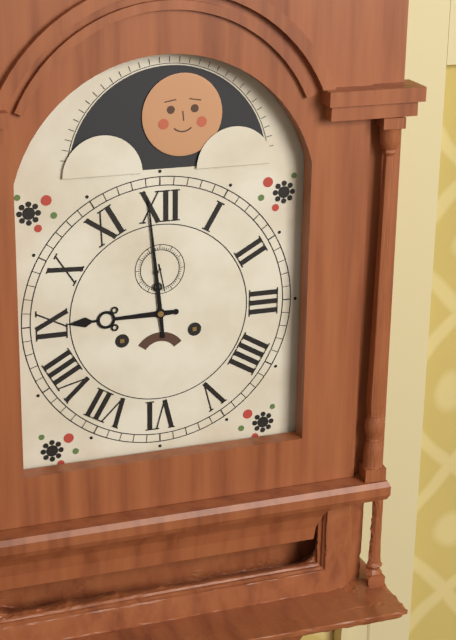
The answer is 8 h 59 min
